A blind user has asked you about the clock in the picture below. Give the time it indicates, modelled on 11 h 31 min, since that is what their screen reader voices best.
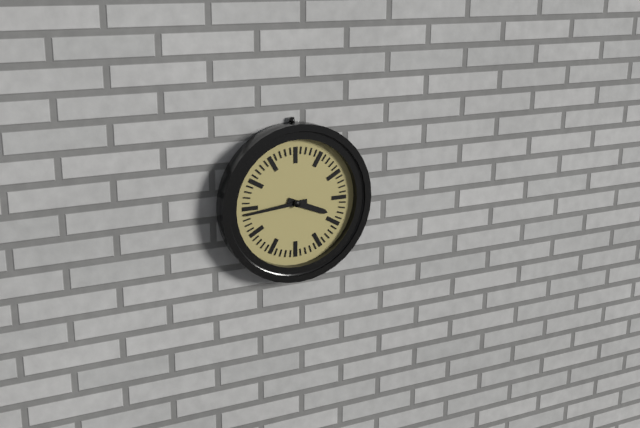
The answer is 3 h 44 min
